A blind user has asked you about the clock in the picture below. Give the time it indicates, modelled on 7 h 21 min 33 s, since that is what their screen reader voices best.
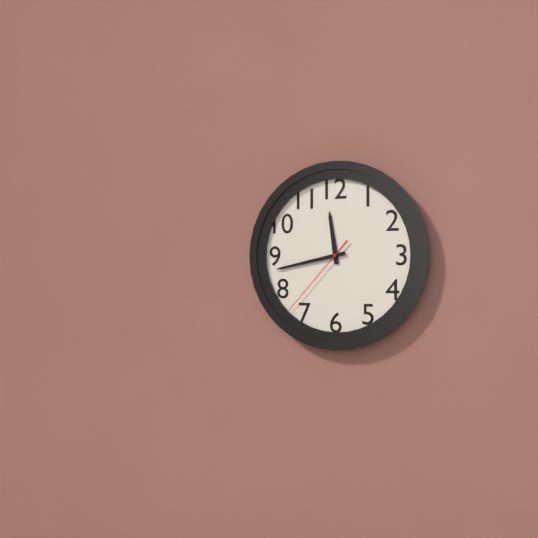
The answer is 11 h 43 min 37 s
